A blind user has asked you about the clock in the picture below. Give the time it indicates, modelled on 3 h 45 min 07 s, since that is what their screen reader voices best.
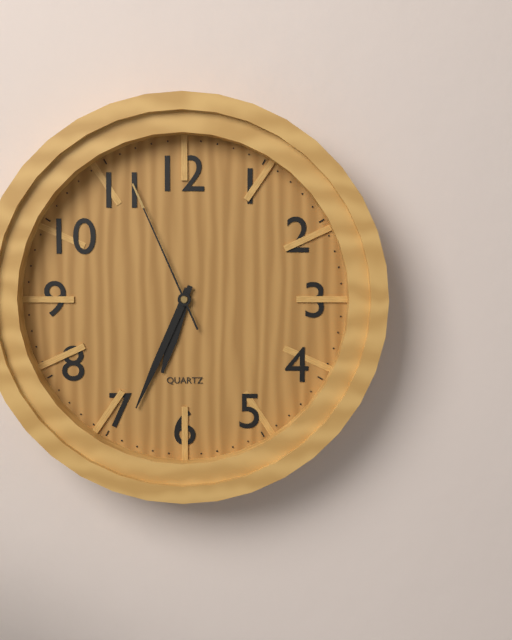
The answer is 6 h 34 min 56 s
